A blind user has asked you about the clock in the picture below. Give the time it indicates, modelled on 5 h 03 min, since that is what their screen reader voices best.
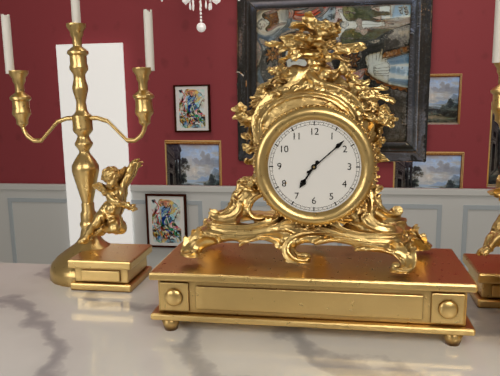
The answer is 7 h 08 min
